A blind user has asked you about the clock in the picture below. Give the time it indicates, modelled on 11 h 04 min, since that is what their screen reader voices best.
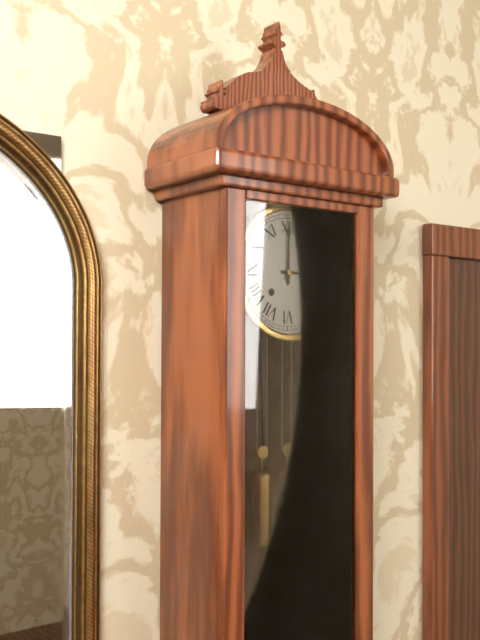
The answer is 3 h 00 min
